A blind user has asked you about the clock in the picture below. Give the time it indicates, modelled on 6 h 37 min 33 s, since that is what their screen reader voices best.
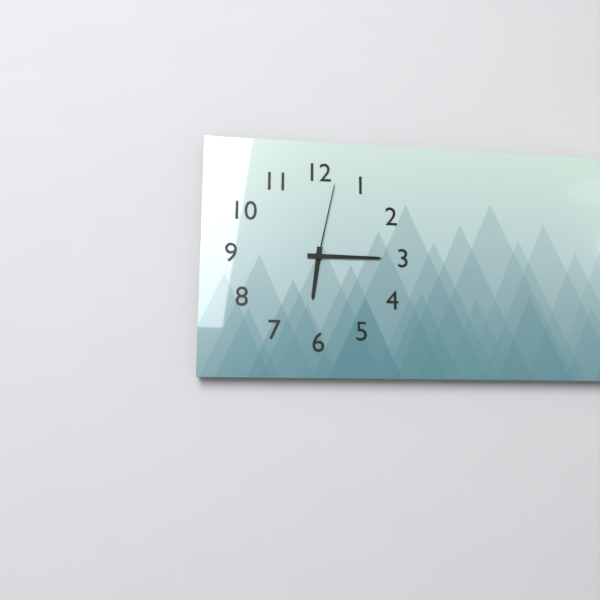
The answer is 6 h 15 min 02 s
